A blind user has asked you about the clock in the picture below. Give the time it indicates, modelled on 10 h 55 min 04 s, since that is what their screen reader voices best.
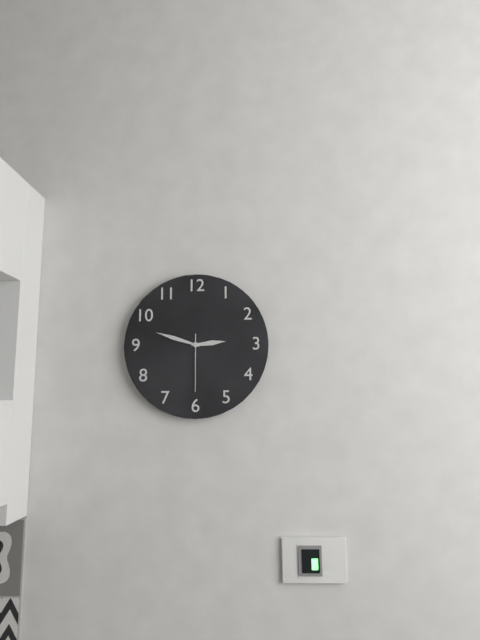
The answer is 2 h 48 min 30 s
